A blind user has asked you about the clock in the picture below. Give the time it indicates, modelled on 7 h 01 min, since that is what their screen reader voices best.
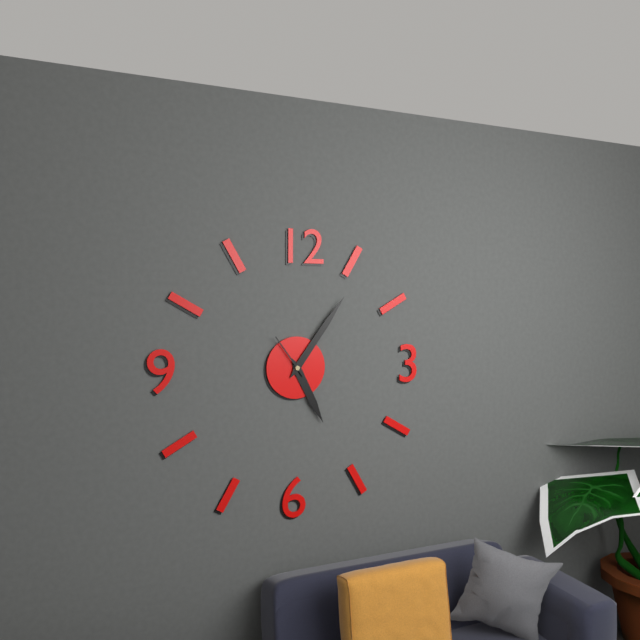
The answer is 5 h 06 min
